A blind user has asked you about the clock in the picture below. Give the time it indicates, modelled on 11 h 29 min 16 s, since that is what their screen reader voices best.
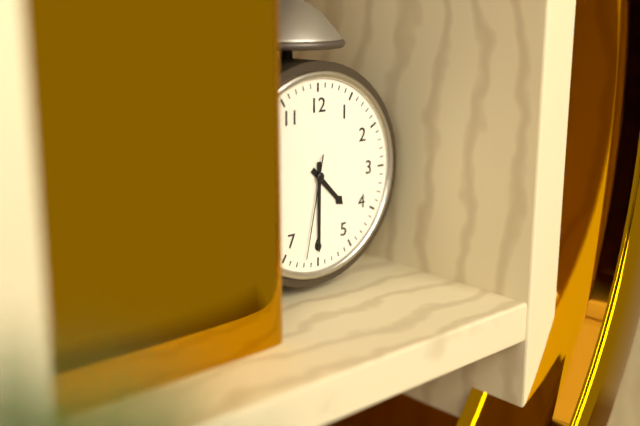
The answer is 4 h 30 min 32 s
